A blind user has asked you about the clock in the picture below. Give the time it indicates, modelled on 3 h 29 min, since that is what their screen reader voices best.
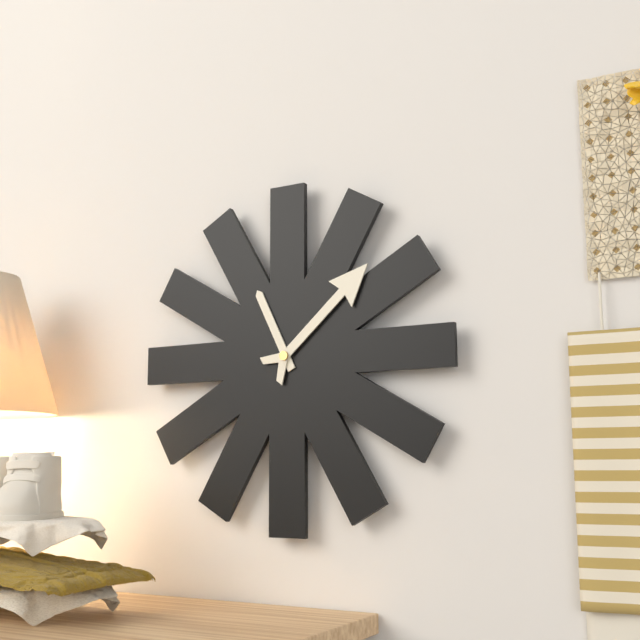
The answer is 11 h 08 min
